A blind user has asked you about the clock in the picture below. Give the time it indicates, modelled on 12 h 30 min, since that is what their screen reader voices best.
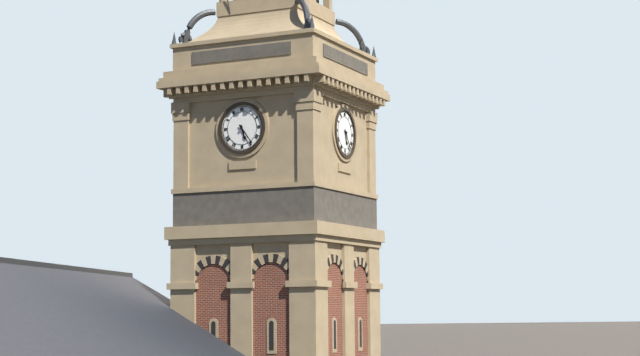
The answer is 5 h 24 min
